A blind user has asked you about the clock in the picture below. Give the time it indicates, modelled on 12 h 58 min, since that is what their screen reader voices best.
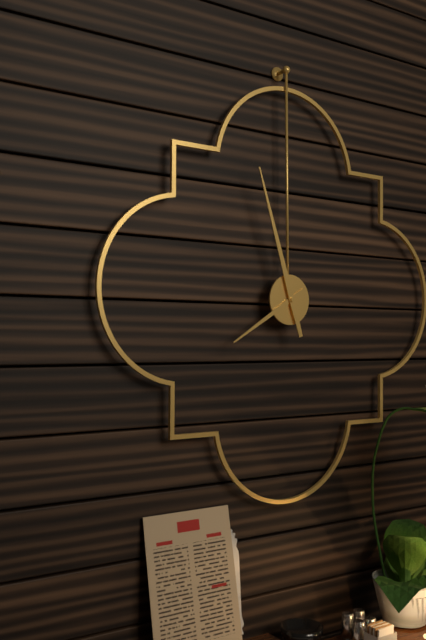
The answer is 7 h 57 min
